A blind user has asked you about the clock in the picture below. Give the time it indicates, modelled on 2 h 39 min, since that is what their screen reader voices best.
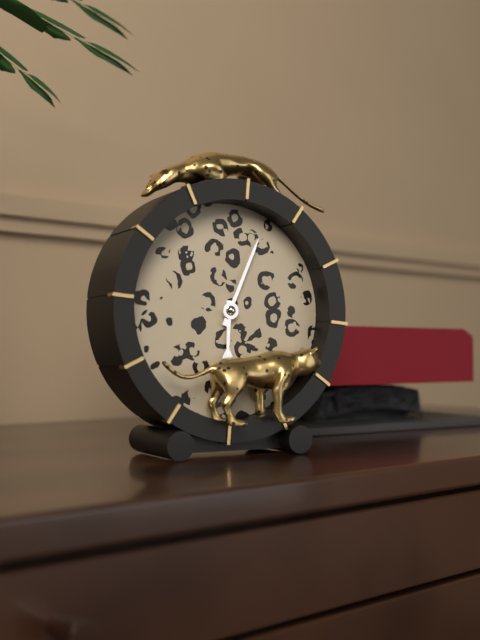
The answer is 6 h 04 min
